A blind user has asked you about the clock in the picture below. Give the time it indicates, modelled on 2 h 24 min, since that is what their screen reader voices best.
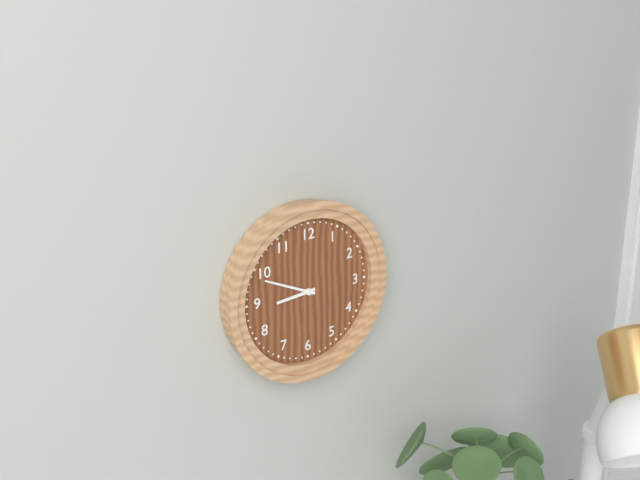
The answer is 8 h 49 min
